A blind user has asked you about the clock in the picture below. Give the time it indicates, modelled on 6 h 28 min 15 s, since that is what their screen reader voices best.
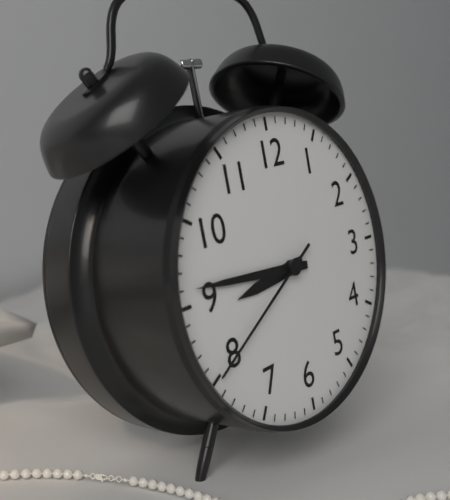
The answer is 8 h 46 min 40 s
